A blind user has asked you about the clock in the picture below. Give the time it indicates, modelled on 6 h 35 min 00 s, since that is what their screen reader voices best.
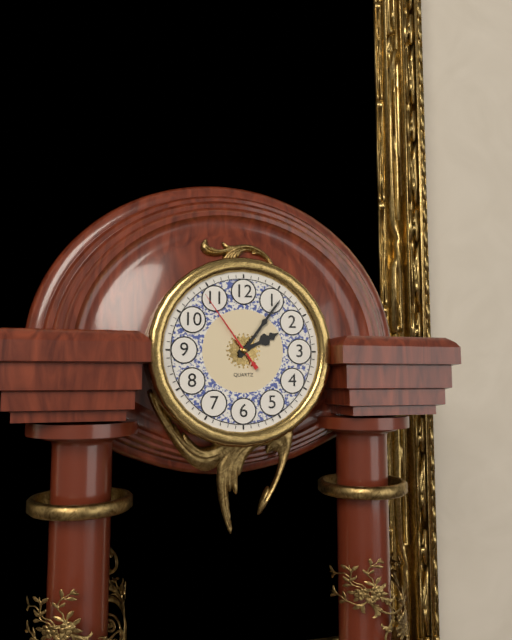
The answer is 2 h 06 min 54 s
